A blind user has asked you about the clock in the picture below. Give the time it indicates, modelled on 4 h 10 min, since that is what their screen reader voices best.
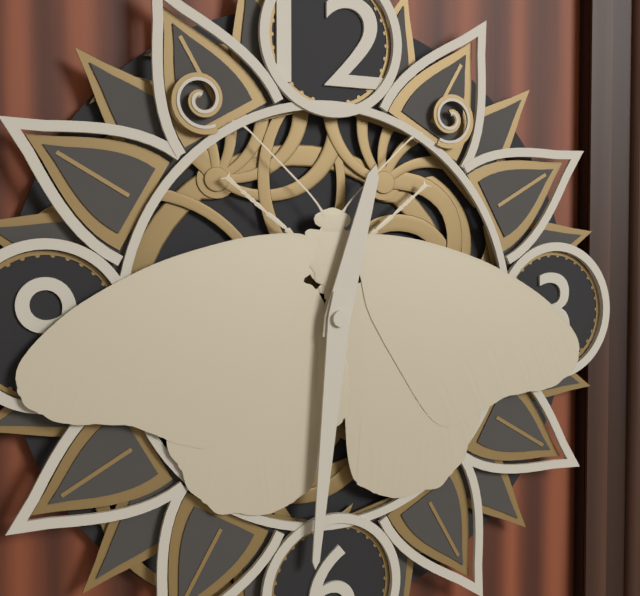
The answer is 12 h 31 min
